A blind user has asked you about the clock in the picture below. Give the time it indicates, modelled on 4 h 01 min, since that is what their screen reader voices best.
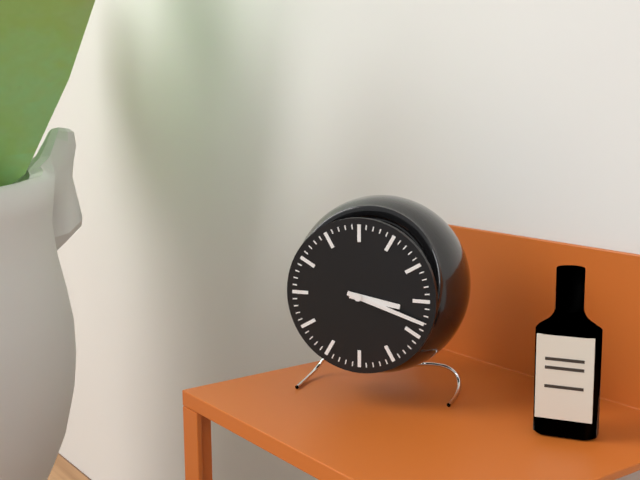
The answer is 3 h 18 min
